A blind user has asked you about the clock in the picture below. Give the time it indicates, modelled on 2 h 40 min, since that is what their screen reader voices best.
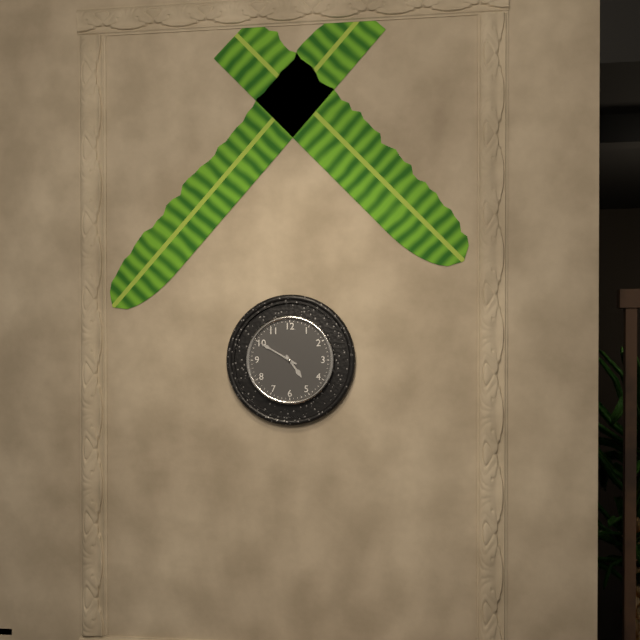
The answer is 4 h 50 min
